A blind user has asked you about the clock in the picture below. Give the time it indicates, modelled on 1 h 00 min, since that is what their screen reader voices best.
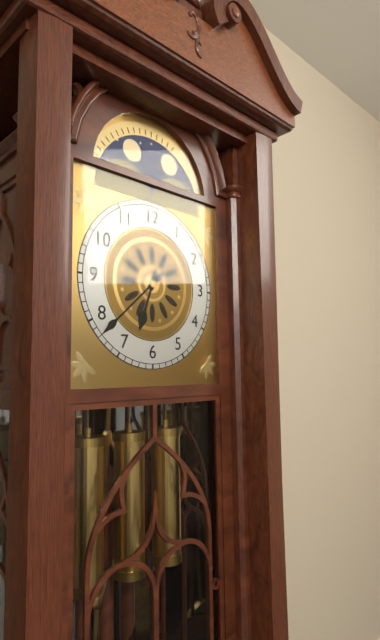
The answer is 6 h 38 min
